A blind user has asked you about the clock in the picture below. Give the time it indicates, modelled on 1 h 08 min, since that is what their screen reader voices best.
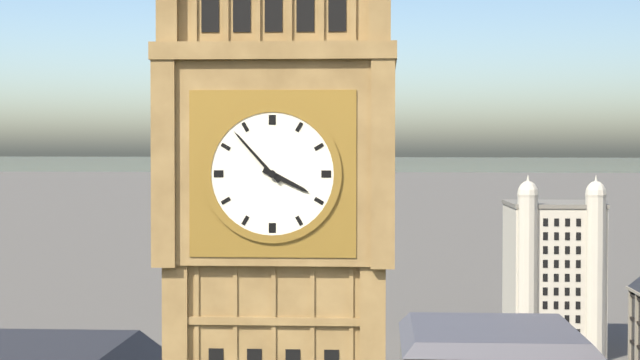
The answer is 3 h 53 min
